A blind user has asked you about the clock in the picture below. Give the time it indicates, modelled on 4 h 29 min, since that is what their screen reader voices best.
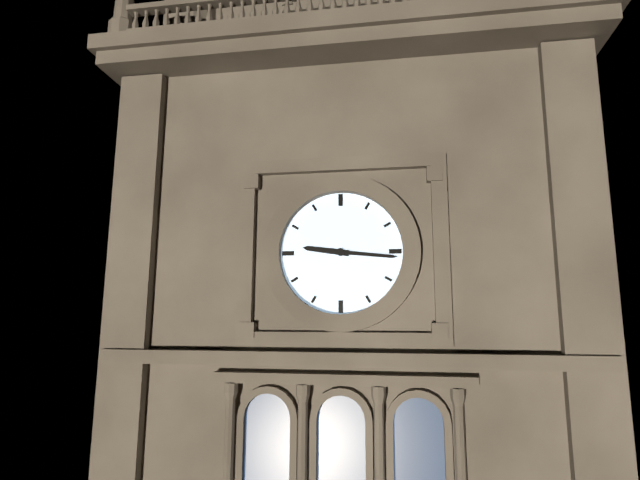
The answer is 9 h 16 min
